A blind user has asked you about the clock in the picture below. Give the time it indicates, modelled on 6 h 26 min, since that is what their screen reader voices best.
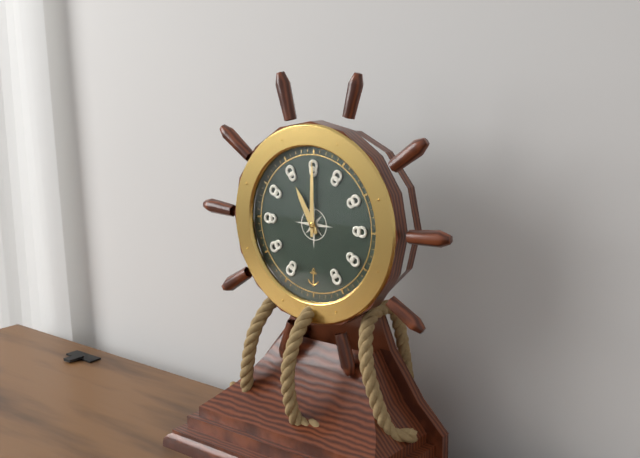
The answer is 11 h 00 min
